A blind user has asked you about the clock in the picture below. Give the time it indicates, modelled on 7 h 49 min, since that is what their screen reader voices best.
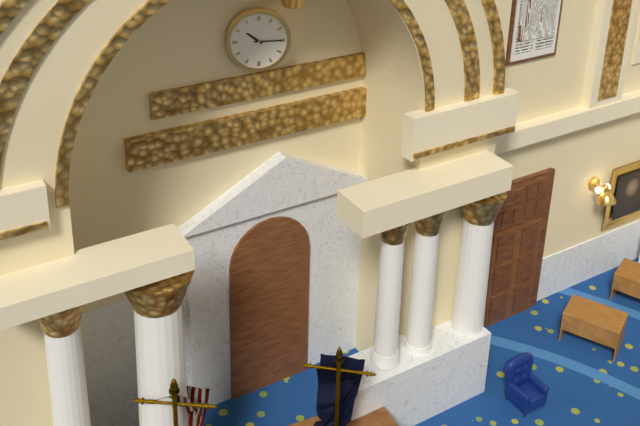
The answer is 10 h 15 min
